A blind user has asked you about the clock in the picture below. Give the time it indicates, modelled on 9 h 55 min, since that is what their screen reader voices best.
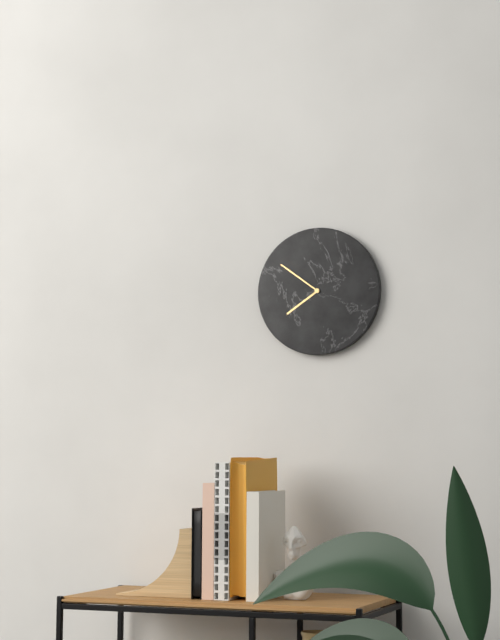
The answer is 7 h 51 min
